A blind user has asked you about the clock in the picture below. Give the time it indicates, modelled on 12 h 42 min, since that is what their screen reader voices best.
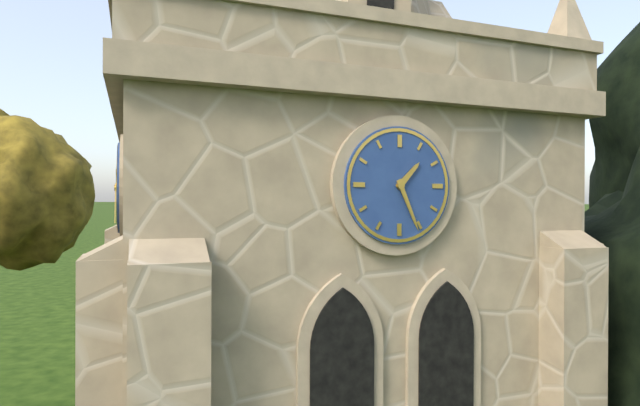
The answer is 1 h 26 min
